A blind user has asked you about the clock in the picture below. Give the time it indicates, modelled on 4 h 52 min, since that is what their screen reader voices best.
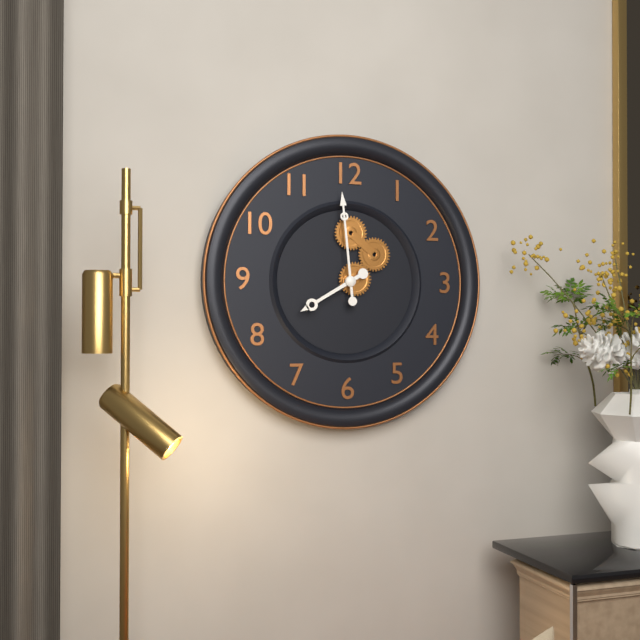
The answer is 7 h 59 min
